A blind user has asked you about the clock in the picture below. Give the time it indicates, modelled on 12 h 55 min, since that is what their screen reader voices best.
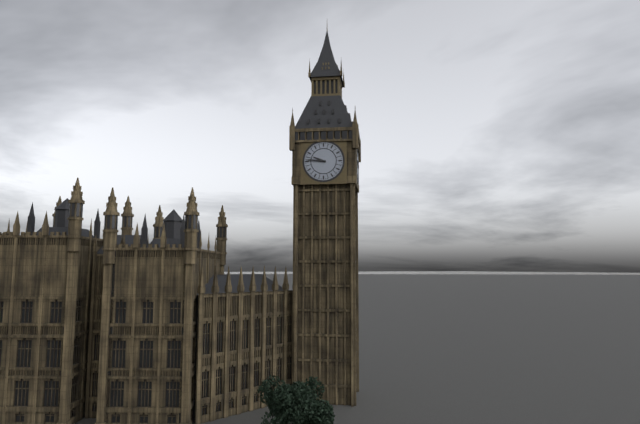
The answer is 9 h 46 min
